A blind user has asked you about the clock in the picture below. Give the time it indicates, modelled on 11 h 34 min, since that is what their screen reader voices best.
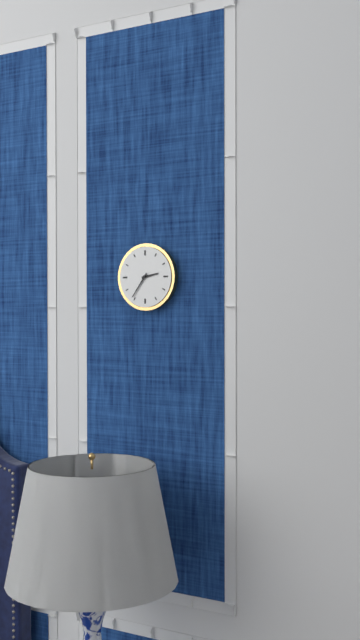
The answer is 2 h 36 min
